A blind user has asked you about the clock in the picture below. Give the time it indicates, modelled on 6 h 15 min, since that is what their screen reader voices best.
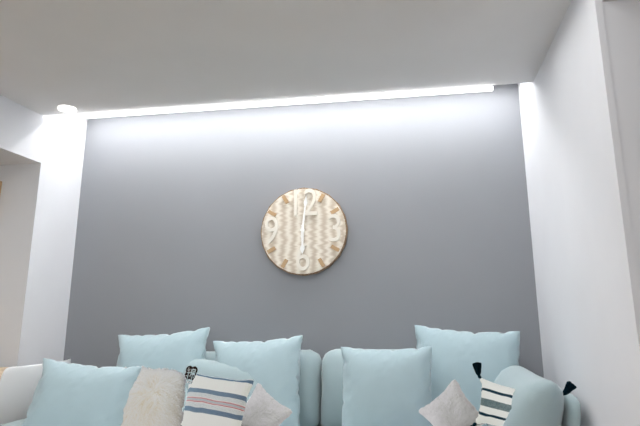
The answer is 6 h 01 min
